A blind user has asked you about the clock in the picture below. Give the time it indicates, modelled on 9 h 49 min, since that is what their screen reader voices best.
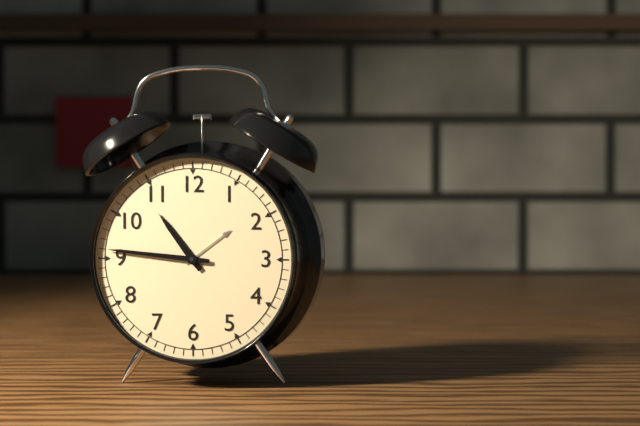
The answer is 10 h 46 min
